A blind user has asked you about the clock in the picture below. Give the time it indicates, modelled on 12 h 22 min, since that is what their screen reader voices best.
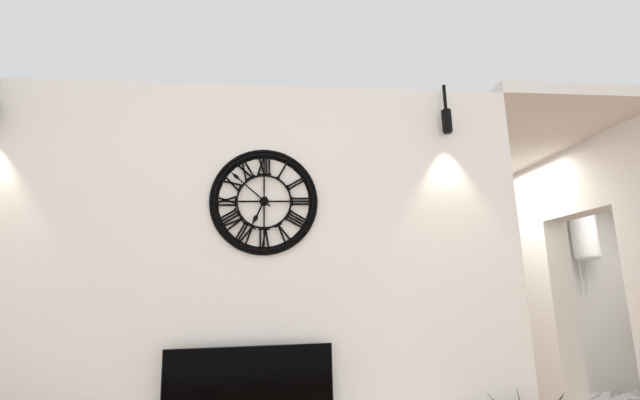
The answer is 6 h 52 min
